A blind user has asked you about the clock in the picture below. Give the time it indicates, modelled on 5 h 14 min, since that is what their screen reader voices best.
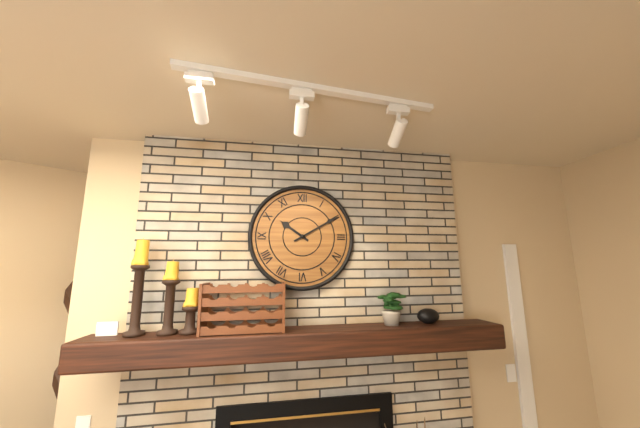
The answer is 10 h 10 min
